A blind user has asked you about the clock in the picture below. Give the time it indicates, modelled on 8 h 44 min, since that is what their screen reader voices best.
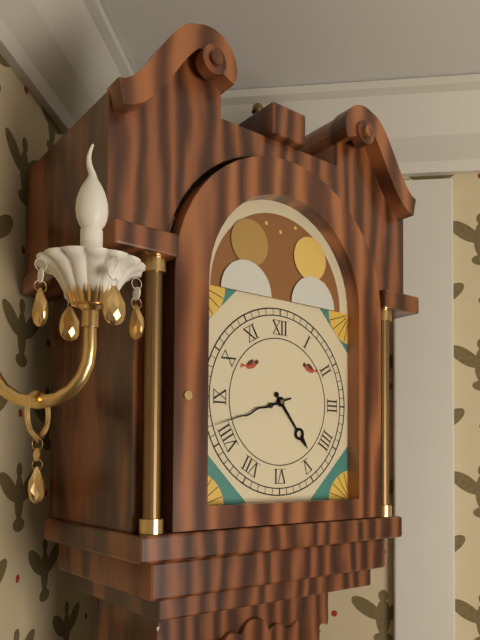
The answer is 4 h 42 min
